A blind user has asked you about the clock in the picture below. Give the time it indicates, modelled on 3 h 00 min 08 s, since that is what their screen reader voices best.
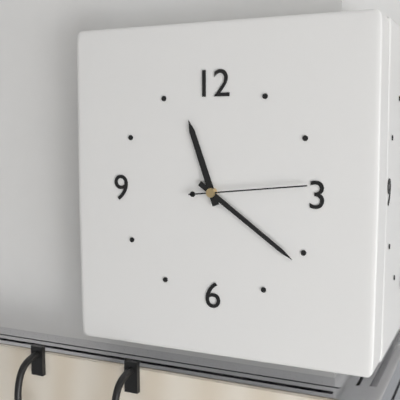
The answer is 11 h 21 min 14 s
